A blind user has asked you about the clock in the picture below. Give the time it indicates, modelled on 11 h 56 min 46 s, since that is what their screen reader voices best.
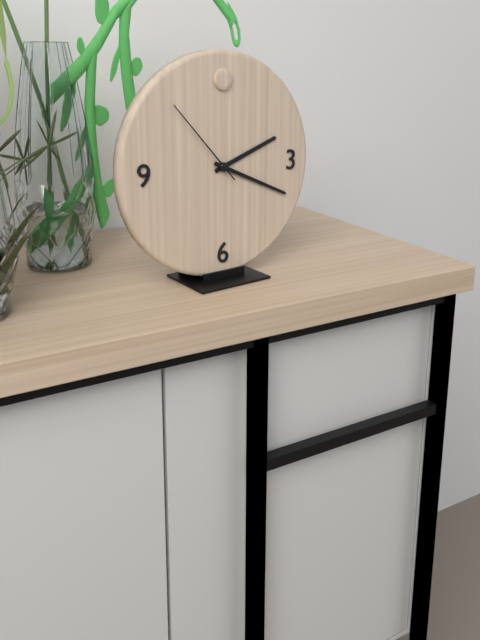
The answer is 2 h 19 min 53 s
